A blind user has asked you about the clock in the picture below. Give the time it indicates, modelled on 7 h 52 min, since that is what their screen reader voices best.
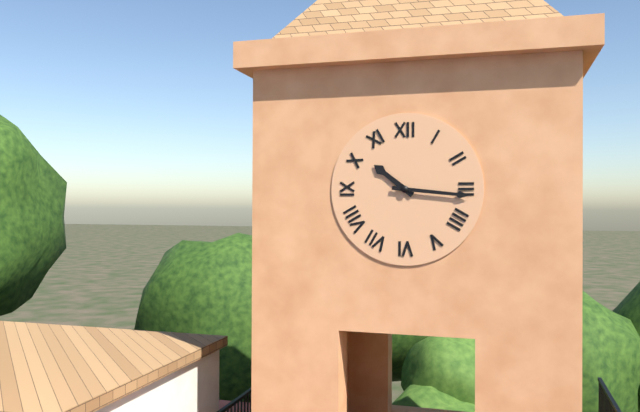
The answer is 10 h 16 min
